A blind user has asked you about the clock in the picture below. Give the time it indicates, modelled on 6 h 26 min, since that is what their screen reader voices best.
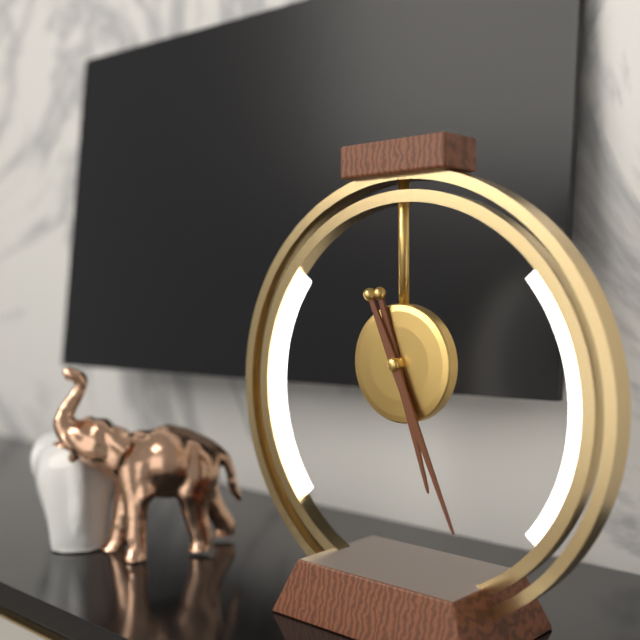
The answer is 5 h 26 min
